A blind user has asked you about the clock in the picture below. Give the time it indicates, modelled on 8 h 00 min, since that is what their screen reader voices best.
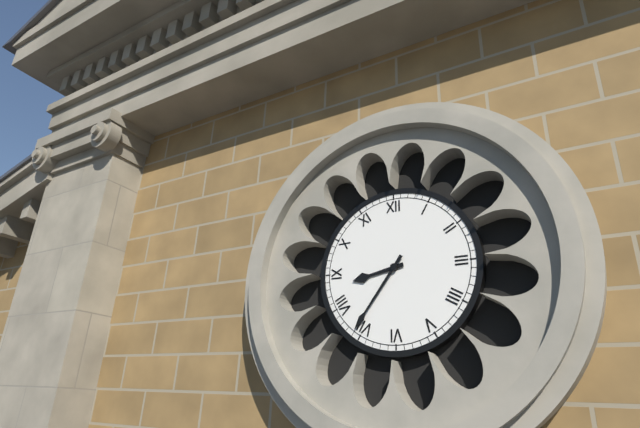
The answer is 8 h 36 min
